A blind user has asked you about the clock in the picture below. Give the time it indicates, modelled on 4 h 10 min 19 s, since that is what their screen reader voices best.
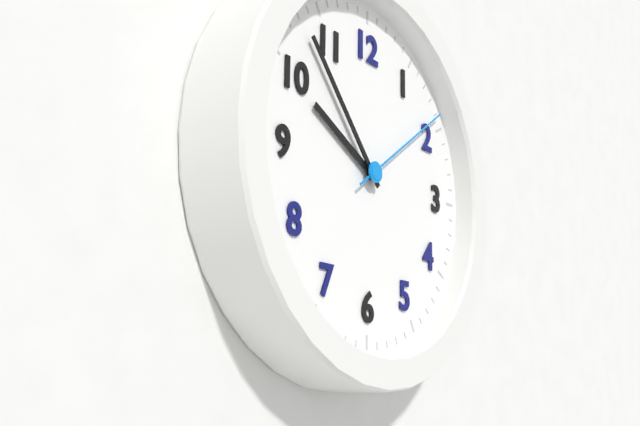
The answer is 9 h 53 min 09 s
